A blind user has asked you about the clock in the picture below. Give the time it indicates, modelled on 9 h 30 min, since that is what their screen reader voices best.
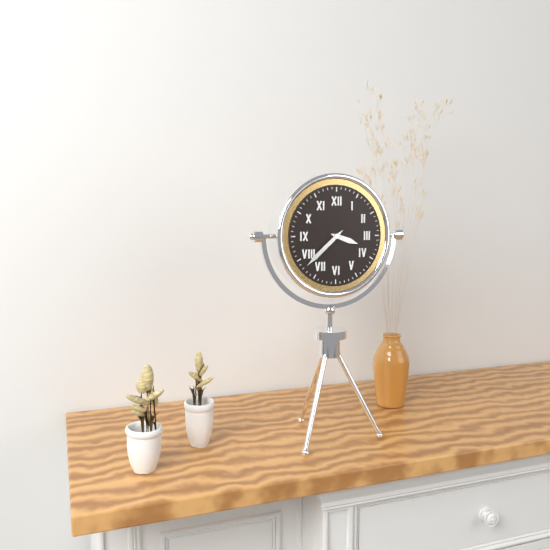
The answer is 3 h 38 min
